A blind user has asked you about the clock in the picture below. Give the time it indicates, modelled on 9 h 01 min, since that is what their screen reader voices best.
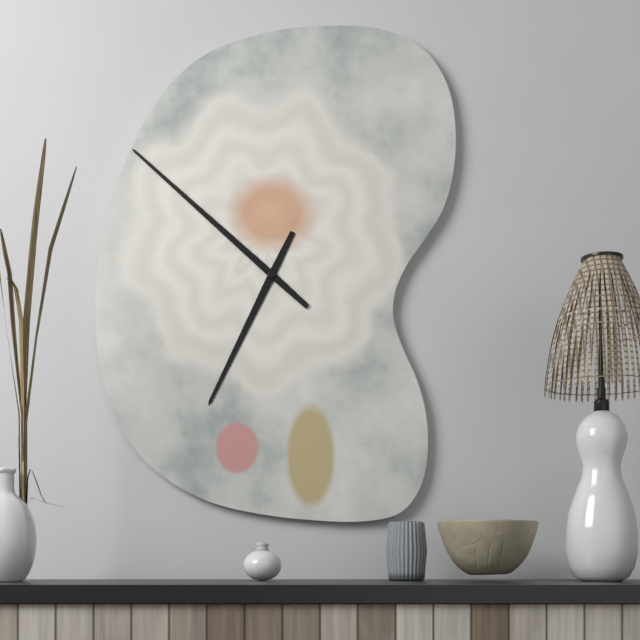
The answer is 6 h 52 min
